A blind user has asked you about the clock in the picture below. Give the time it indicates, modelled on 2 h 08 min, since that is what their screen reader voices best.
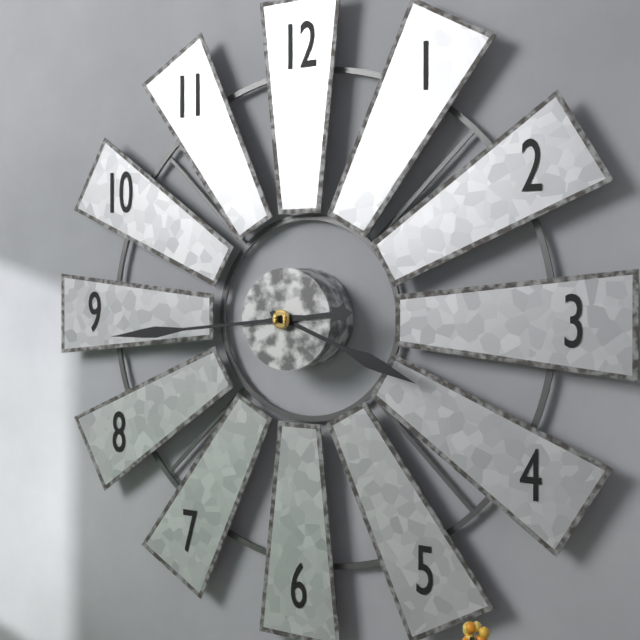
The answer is 3 h 44 min
